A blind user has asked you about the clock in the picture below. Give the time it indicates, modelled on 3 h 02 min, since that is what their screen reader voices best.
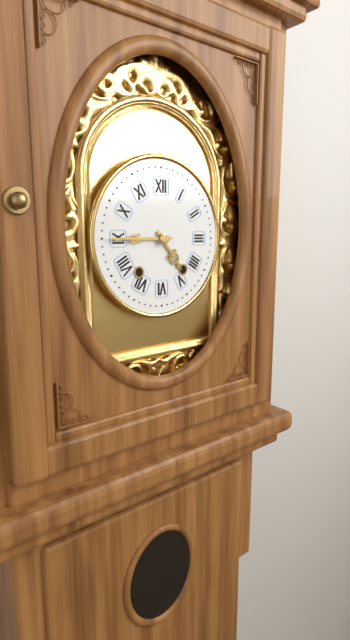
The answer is 4 h 45 min
